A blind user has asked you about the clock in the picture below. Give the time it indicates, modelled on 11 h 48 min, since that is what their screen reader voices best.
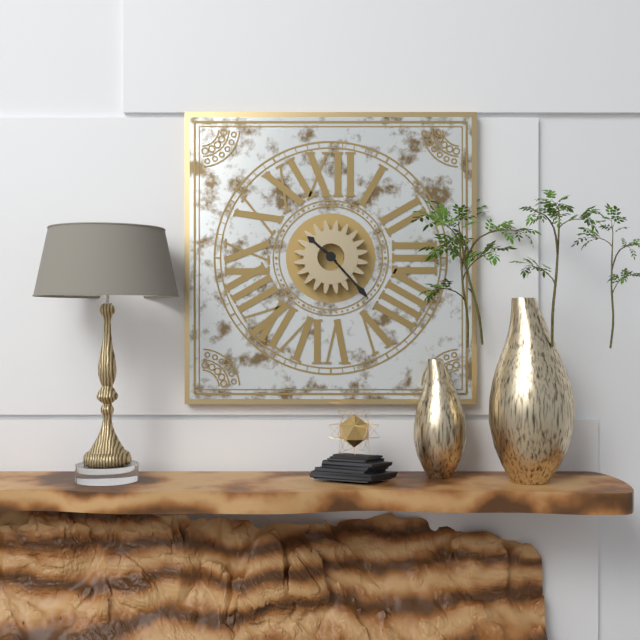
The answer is 10 h 23 min
